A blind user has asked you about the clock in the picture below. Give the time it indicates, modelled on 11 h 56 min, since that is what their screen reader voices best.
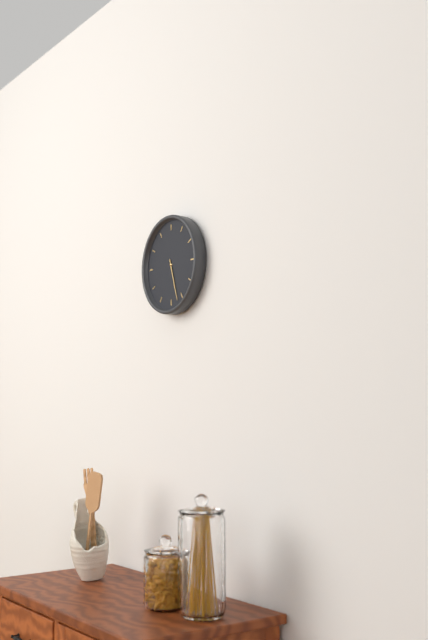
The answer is 5 h 27 min
